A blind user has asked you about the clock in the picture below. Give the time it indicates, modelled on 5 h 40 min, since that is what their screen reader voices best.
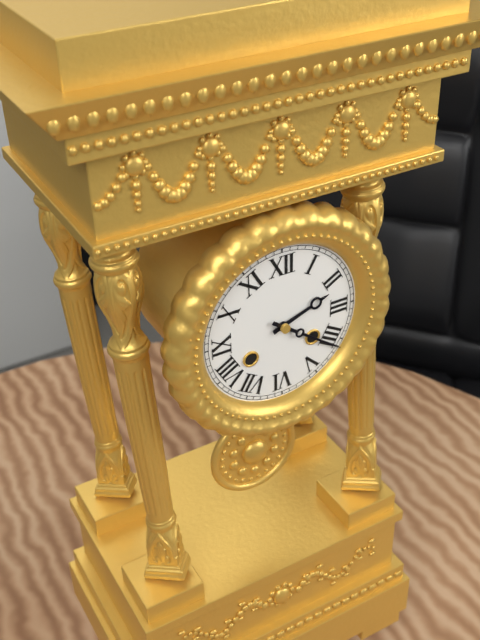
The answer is 2 h 21 min
